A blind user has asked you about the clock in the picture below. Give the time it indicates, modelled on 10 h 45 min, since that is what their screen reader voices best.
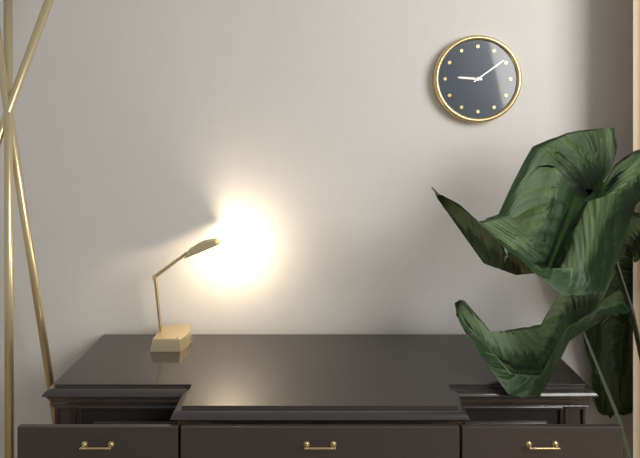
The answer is 9 h 09 min
